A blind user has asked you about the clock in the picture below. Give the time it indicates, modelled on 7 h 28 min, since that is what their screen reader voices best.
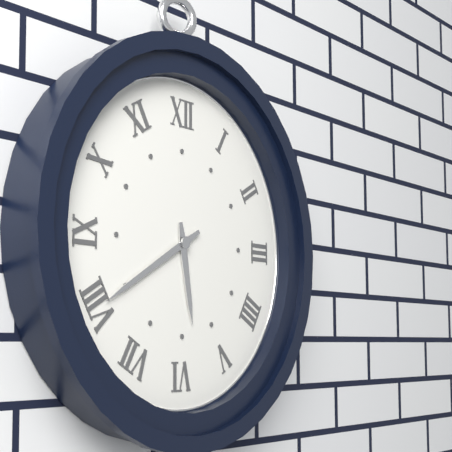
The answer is 5 h 40 min
